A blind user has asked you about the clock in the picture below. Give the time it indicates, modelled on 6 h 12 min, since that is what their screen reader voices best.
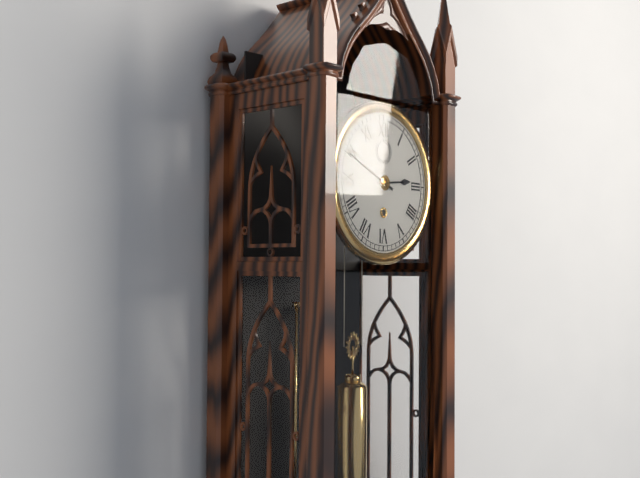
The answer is 2 h 49 min
